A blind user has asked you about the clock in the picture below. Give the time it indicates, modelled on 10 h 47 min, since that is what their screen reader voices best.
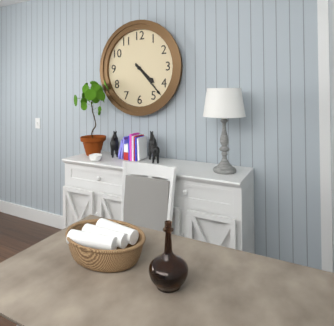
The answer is 4 h 23 min
